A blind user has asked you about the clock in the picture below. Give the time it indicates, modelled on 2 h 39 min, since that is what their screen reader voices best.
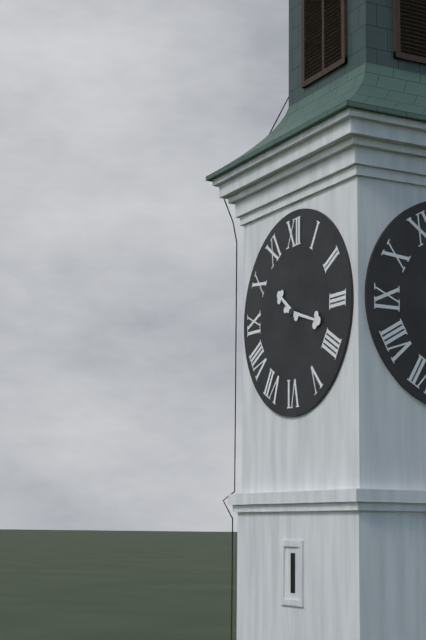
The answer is 10 h 18 min
